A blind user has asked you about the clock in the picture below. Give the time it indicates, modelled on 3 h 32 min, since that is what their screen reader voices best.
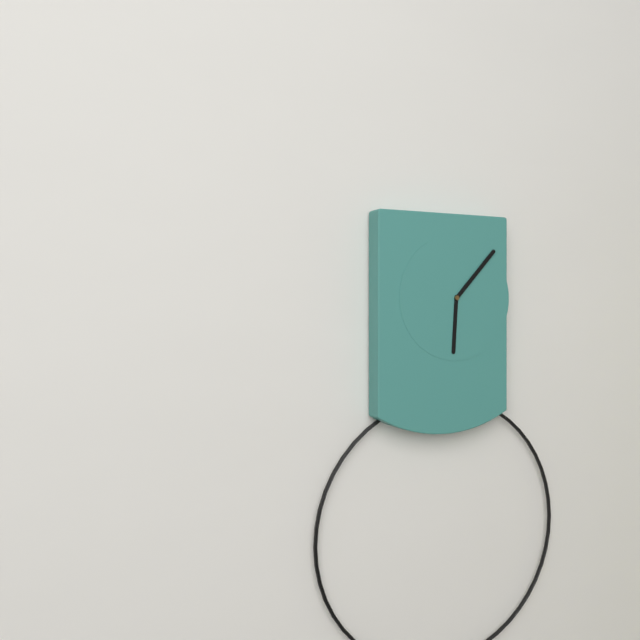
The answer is 6 h 07 min
